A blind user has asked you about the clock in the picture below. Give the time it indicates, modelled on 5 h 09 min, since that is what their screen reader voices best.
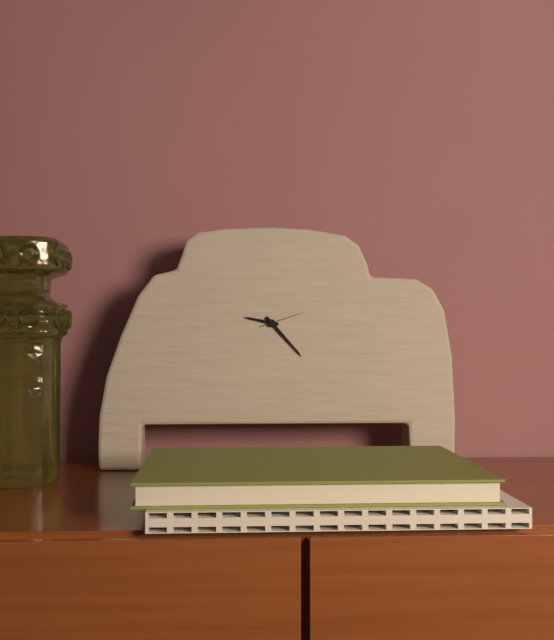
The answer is 9 h 23 min
